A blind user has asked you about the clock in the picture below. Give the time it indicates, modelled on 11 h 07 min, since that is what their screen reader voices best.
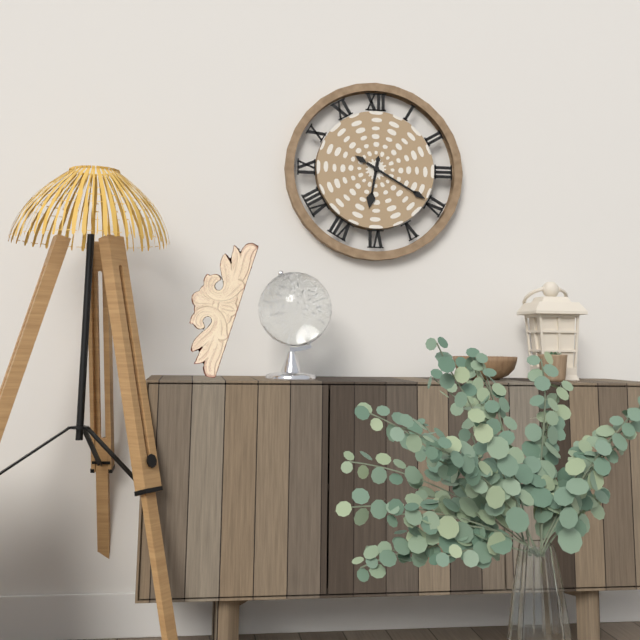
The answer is 6 h 20 min
